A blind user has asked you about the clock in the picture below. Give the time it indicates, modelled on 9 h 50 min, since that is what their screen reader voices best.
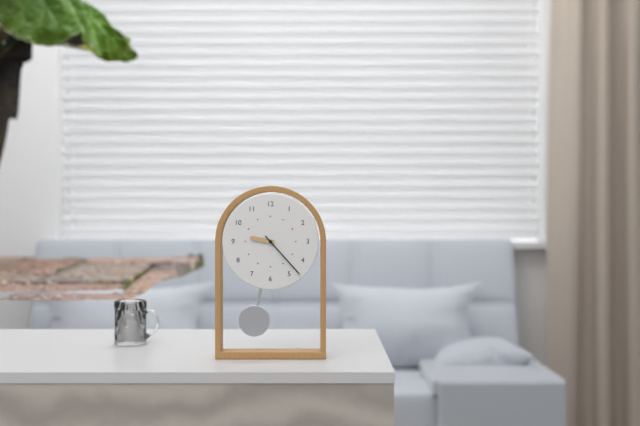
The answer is 9 h 23 min
